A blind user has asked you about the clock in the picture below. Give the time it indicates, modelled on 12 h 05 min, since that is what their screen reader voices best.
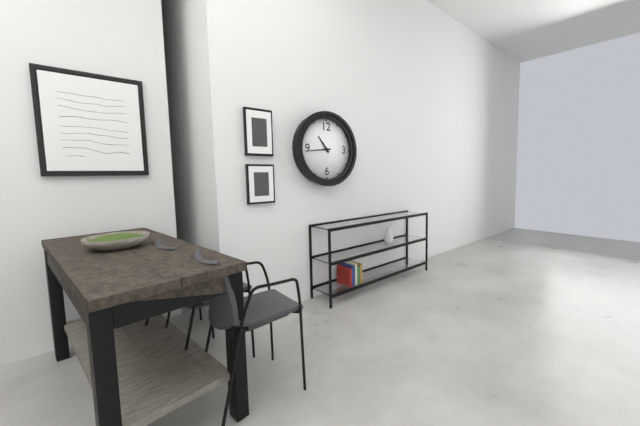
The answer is 10 h 44 min
